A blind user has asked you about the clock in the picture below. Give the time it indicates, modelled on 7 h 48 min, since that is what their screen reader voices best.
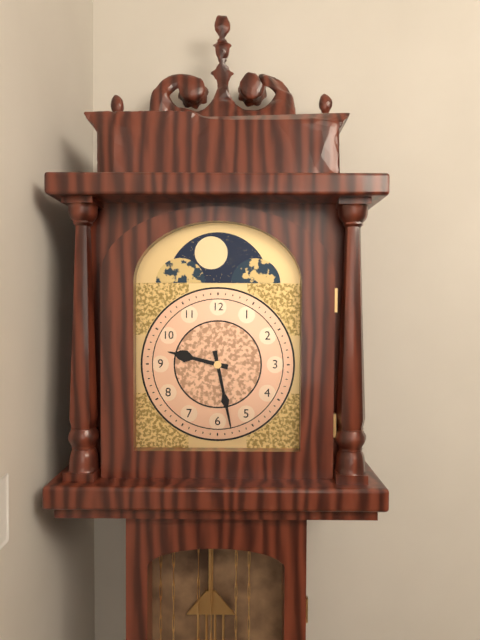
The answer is 9 h 28 min
